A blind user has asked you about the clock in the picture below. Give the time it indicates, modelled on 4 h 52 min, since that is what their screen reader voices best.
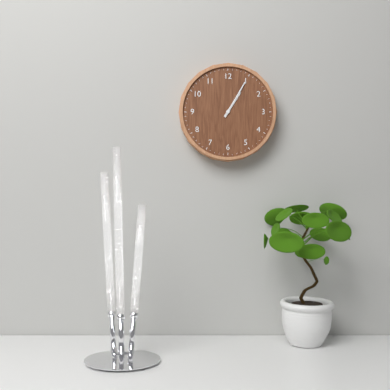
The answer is 1 h 05 min
